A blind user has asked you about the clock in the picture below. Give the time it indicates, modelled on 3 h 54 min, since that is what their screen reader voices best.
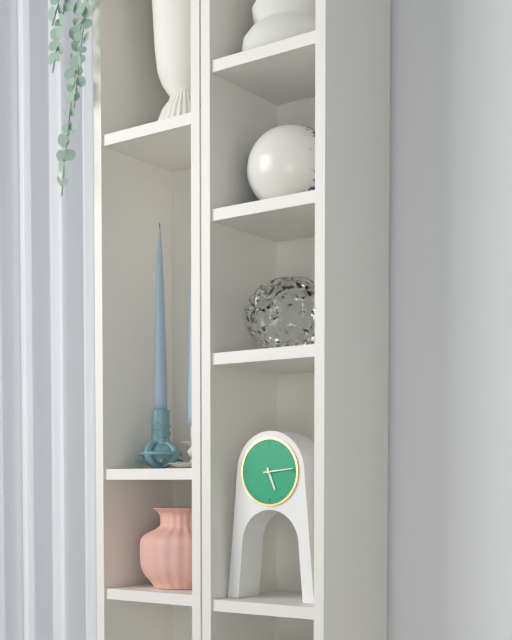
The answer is 5 h 14 min
